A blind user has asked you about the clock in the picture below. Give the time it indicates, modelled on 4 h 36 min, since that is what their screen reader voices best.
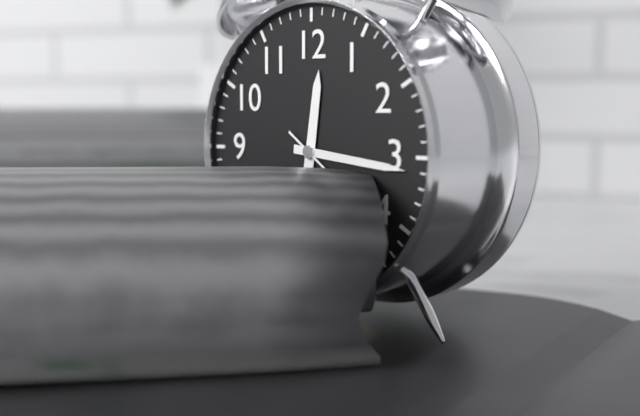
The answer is 12 h 16 min
